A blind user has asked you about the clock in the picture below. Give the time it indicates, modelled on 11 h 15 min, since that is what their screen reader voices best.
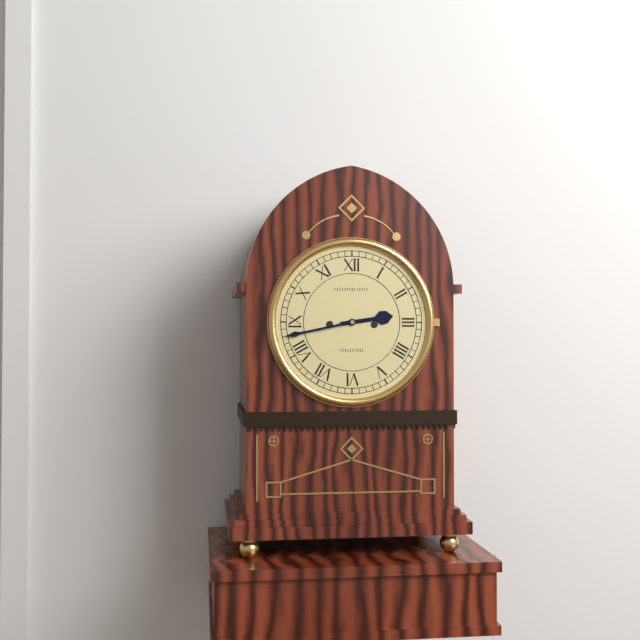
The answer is 2 h 43 min
